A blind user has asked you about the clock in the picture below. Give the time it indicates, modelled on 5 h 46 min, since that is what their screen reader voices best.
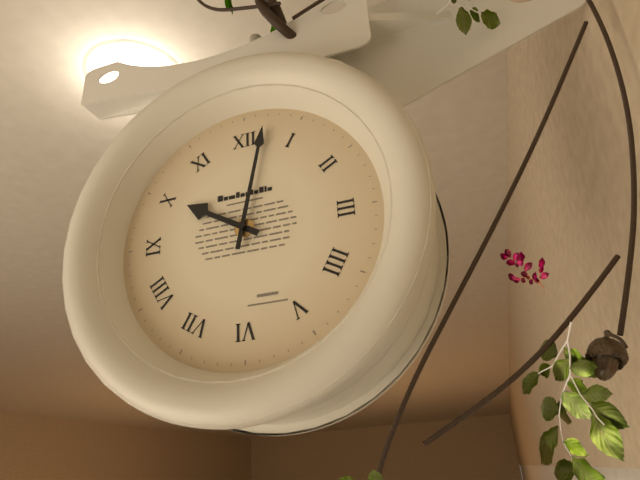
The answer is 10 h 02 min
